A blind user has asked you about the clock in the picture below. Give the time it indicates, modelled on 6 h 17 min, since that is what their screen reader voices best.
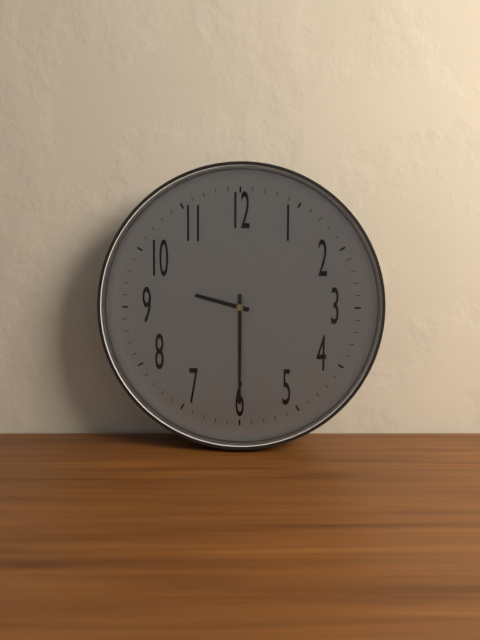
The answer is 9 h 30 min
